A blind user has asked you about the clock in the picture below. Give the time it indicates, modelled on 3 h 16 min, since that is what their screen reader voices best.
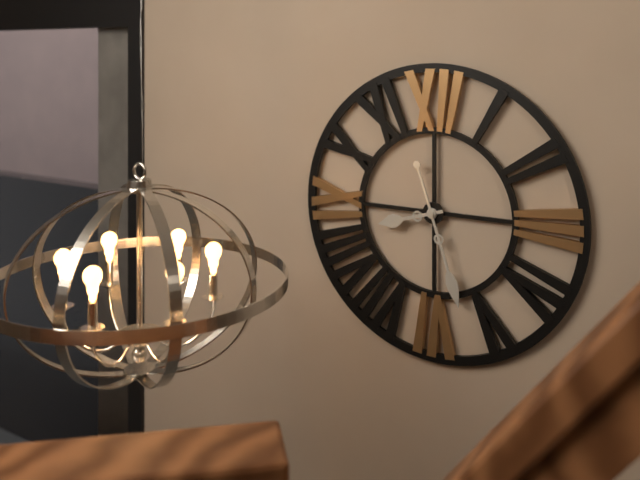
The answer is 8 h 27 min
